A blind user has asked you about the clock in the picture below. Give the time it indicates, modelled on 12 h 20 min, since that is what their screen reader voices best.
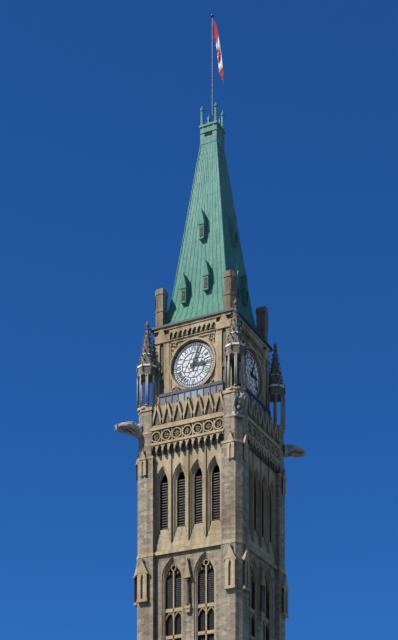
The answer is 3 h 04 min
